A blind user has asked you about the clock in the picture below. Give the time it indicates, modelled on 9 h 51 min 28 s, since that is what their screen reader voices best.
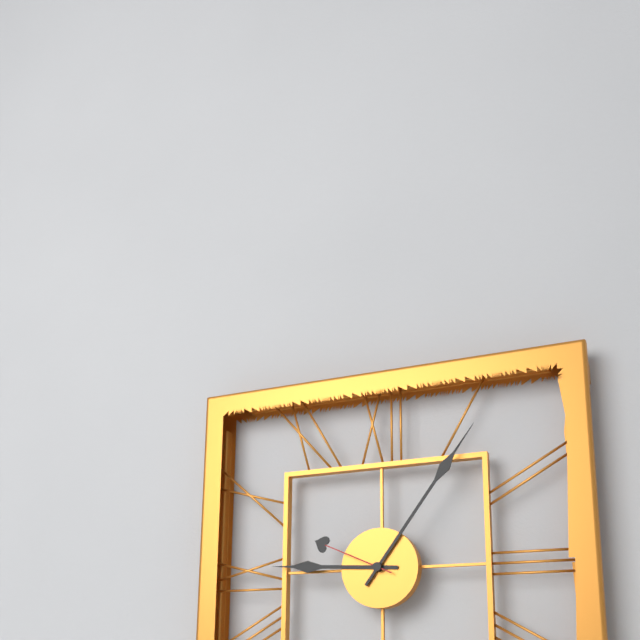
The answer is 9 h 06 min 49 s
